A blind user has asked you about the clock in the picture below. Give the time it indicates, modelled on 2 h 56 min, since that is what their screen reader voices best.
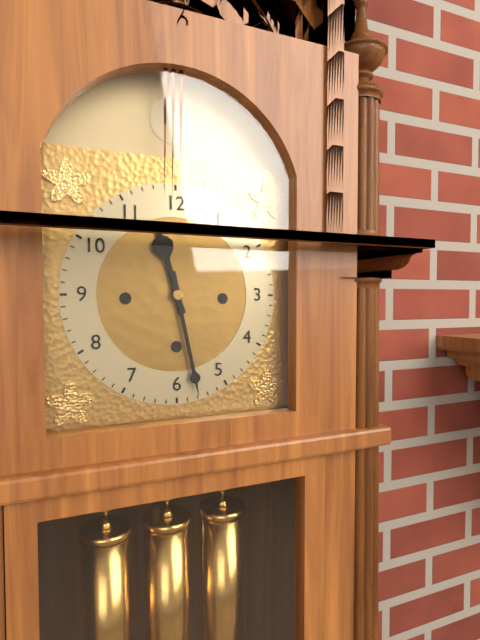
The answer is 11 h 28 min
